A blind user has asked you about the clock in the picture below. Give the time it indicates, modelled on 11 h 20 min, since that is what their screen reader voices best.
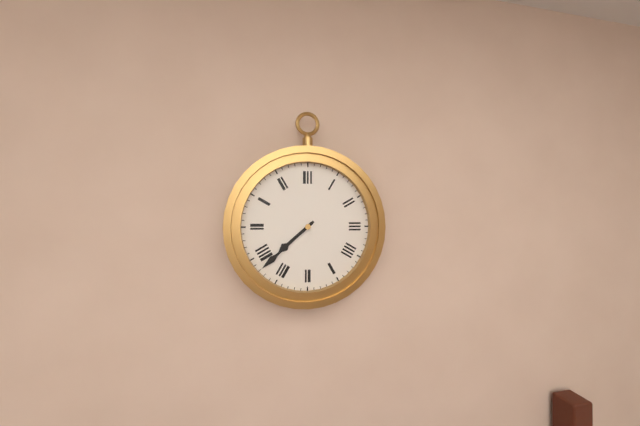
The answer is 7 h 38 min
